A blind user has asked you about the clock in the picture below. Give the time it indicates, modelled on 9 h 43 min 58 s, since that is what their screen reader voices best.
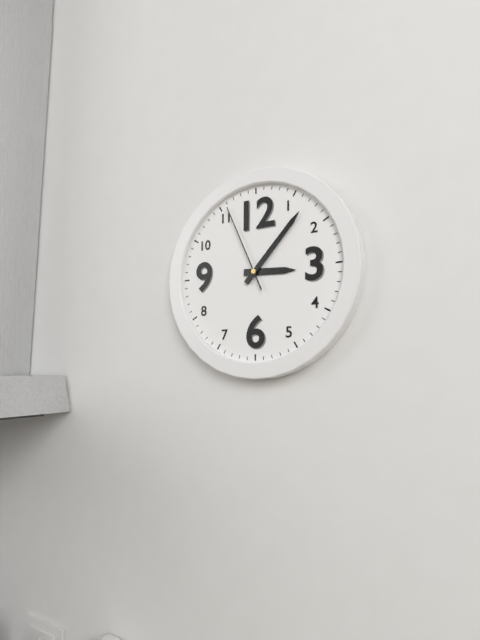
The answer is 3 h 07 min 56 s
